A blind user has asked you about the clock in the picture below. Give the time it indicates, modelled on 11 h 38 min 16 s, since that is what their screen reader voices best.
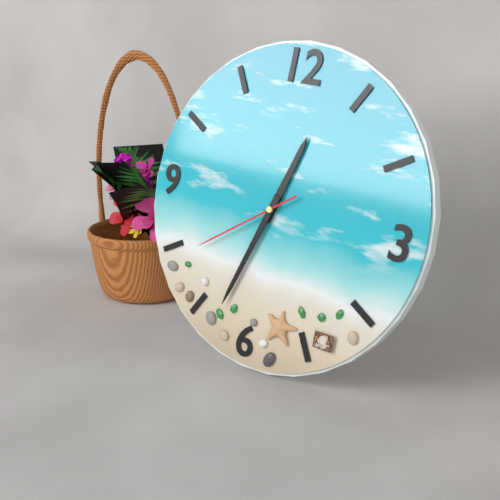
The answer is 12 h 33 min 39 s
